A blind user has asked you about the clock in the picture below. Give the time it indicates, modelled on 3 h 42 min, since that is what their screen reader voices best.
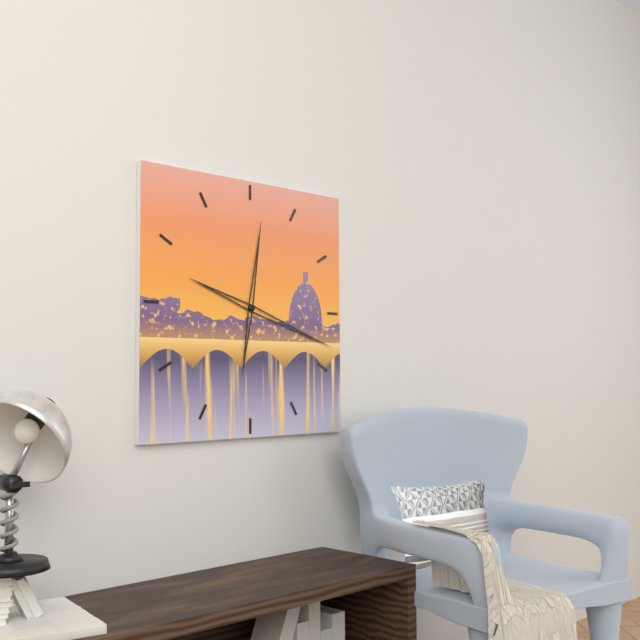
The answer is 12 h 18 min
